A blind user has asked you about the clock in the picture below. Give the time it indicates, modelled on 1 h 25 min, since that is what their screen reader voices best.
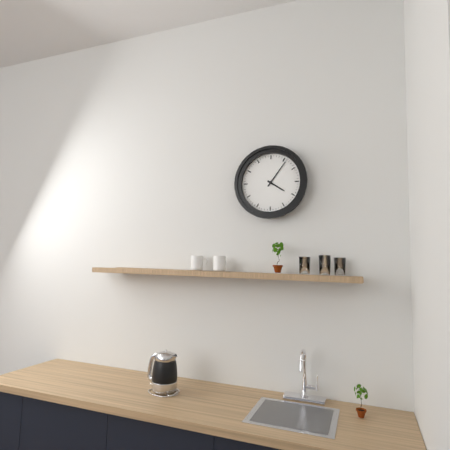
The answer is 4 h 06 min
